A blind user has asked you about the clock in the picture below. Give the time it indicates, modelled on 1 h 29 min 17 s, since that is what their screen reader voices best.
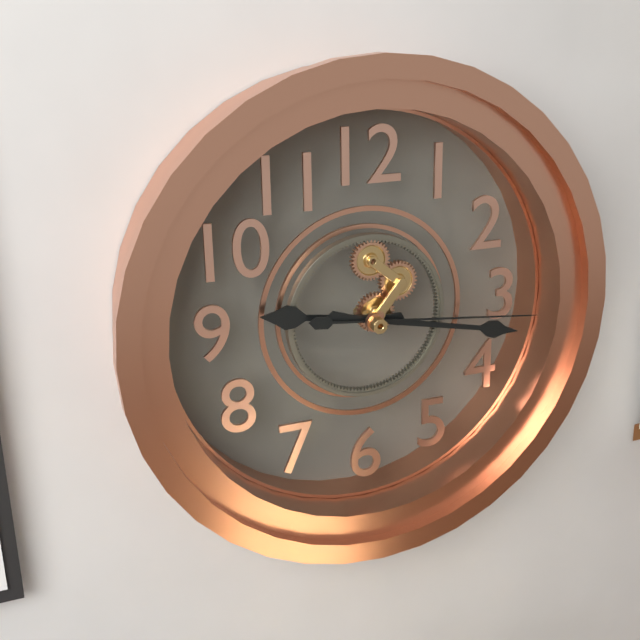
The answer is 9 h 17 min 16 s
